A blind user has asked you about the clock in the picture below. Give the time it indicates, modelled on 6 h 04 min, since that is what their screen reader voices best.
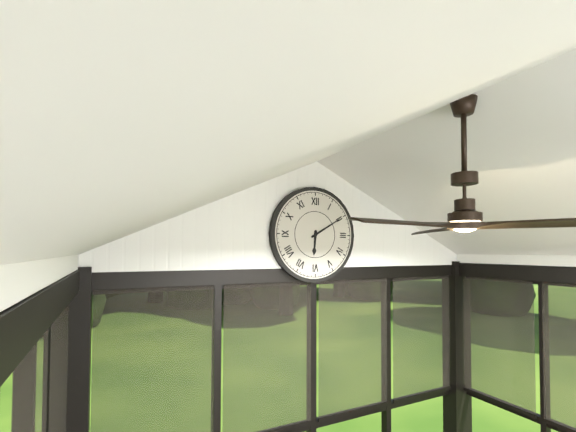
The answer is 6 h 10 min
